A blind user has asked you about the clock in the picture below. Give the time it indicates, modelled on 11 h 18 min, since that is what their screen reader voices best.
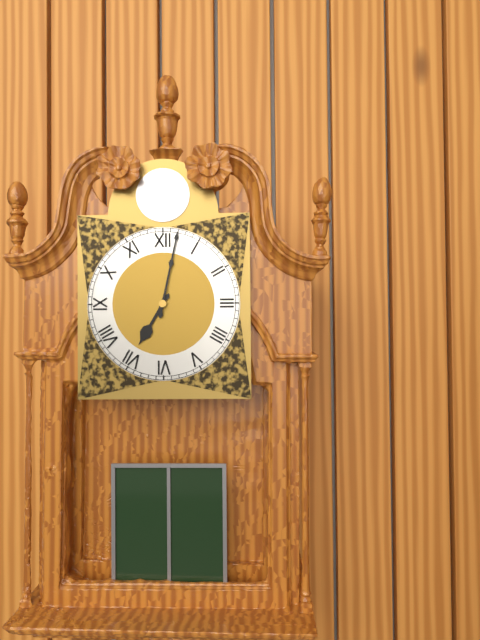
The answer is 7 h 02 min
